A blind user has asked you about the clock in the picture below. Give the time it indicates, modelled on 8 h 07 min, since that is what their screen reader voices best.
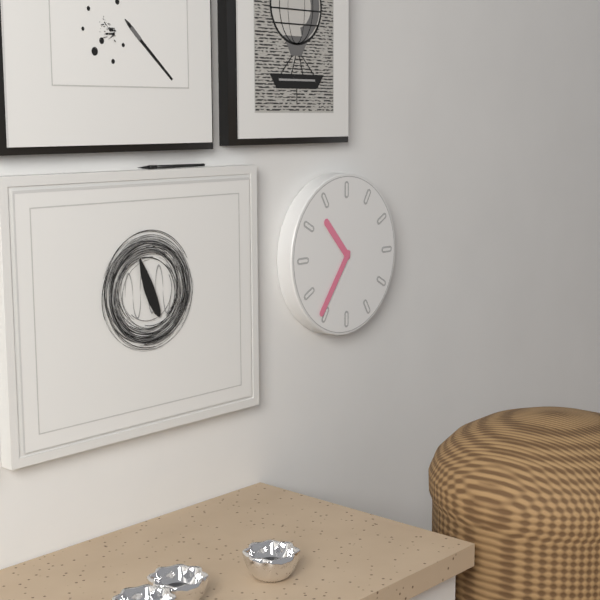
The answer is 10 h 36 min
